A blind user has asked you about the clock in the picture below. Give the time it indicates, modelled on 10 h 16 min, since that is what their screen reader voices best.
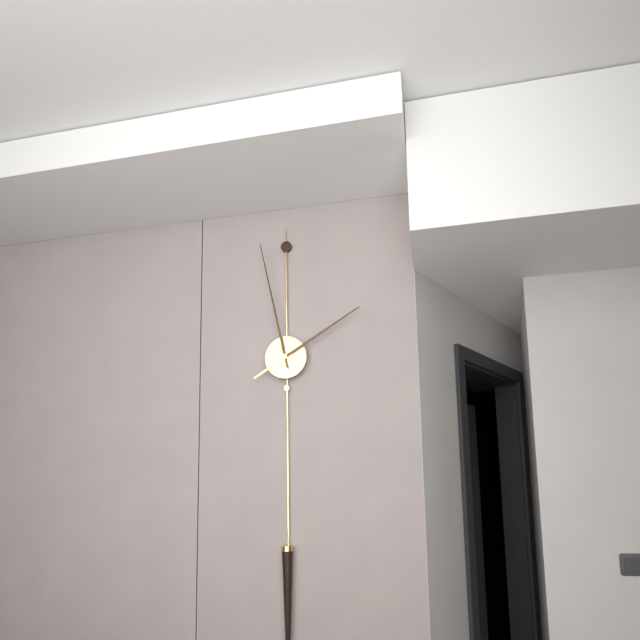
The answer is 1 h 58 min
